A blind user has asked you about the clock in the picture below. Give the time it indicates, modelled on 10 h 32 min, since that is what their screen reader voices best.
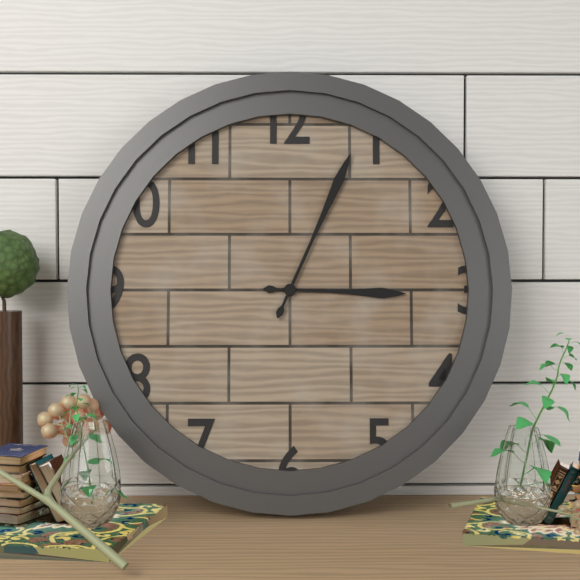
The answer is 3 h 04 min
